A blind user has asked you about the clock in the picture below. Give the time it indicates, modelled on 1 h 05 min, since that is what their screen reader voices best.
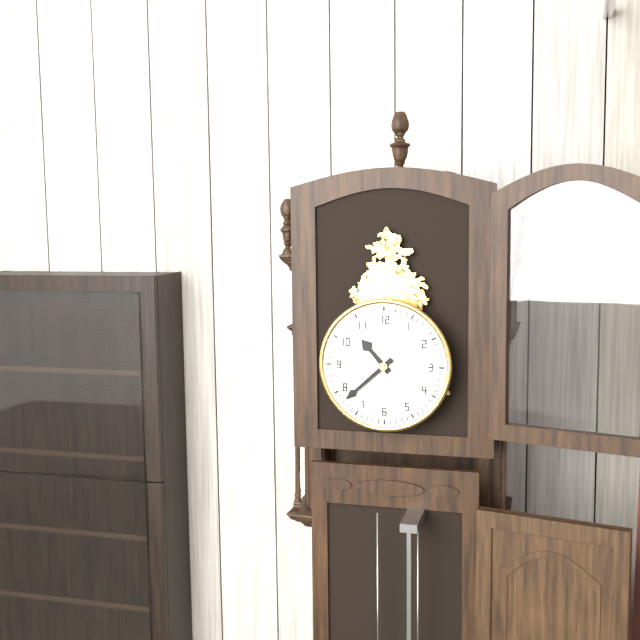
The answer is 10 h 38 min
